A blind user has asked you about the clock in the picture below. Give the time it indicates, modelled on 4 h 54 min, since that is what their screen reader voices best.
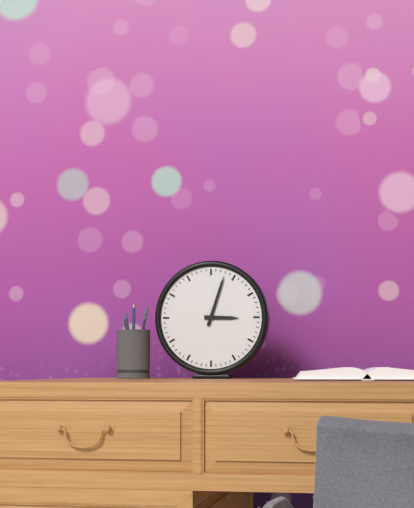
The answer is 3 h 03 min
